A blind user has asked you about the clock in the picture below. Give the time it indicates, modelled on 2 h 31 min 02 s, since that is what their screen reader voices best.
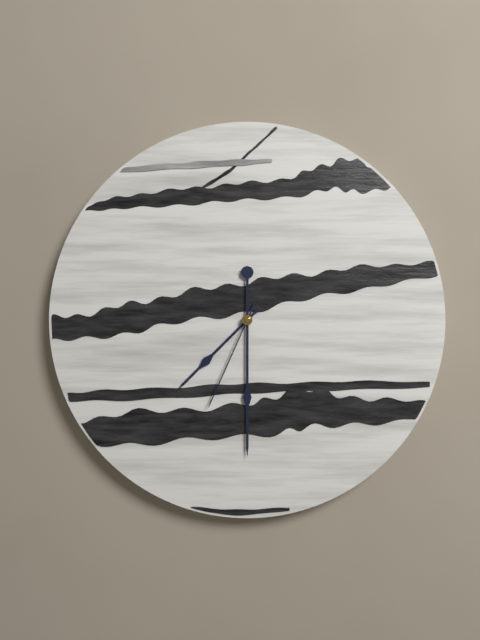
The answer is 7 h 30 min 34 s
